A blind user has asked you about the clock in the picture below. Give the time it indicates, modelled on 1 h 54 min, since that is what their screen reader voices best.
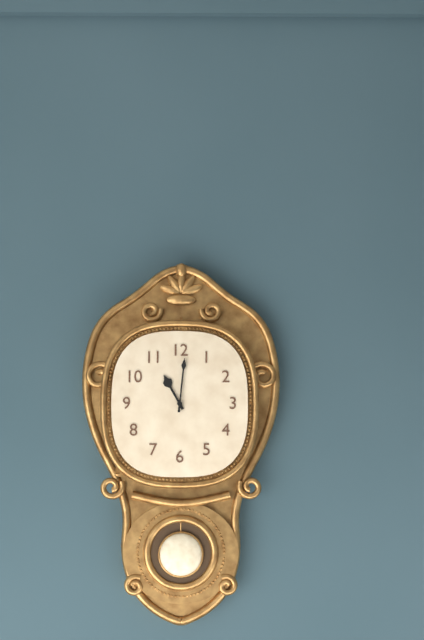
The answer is 11 h 01 min
